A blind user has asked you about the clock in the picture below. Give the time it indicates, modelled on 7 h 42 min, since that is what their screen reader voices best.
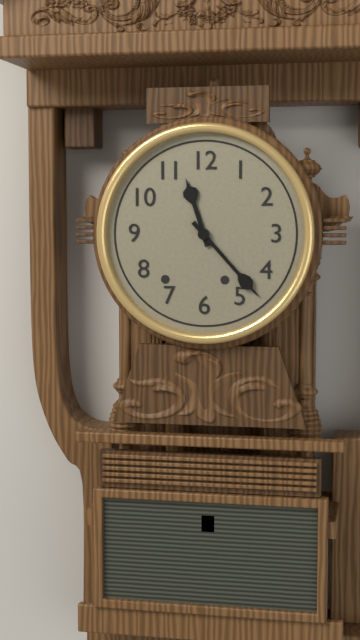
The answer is 11 h 23 min
